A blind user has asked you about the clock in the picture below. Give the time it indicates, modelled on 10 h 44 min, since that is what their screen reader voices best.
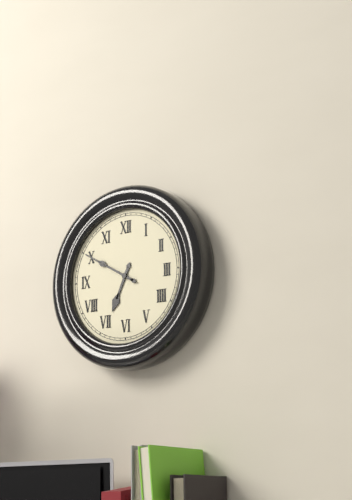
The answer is 6 h 50 min
